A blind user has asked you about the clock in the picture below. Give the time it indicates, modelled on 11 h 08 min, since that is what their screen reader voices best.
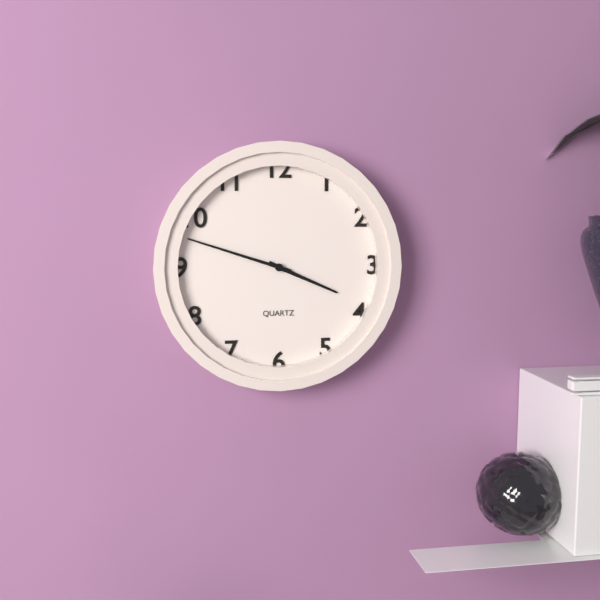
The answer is 3 h 48 min
